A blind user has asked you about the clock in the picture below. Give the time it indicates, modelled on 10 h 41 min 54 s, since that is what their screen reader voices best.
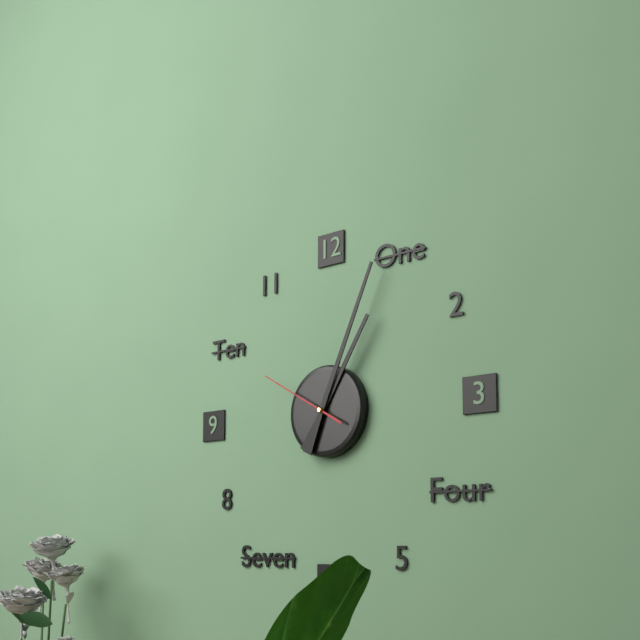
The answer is 1 h 04 min 50 s
